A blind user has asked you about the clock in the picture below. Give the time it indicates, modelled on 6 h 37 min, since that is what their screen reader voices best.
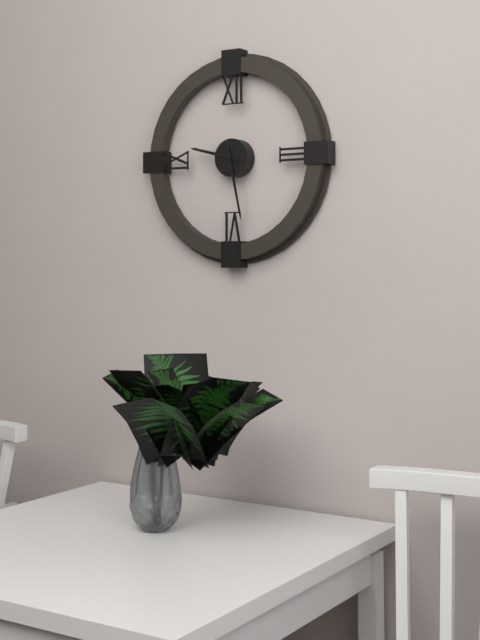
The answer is 9 h 28 min
